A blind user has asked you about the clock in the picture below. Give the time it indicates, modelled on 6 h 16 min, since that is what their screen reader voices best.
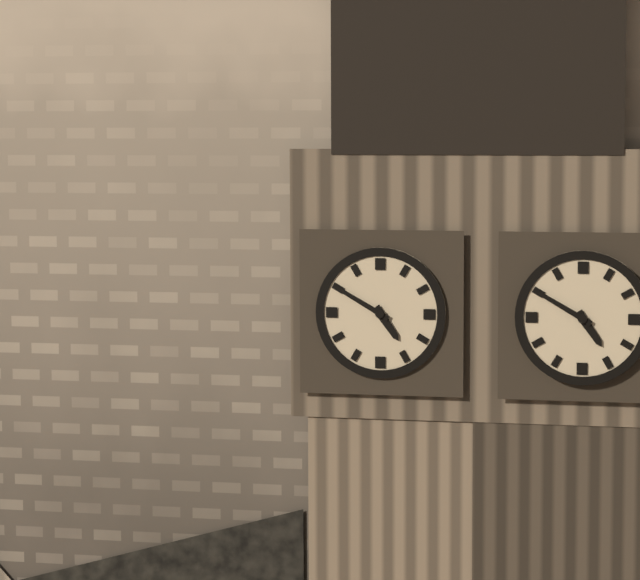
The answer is 4 h 50 min
